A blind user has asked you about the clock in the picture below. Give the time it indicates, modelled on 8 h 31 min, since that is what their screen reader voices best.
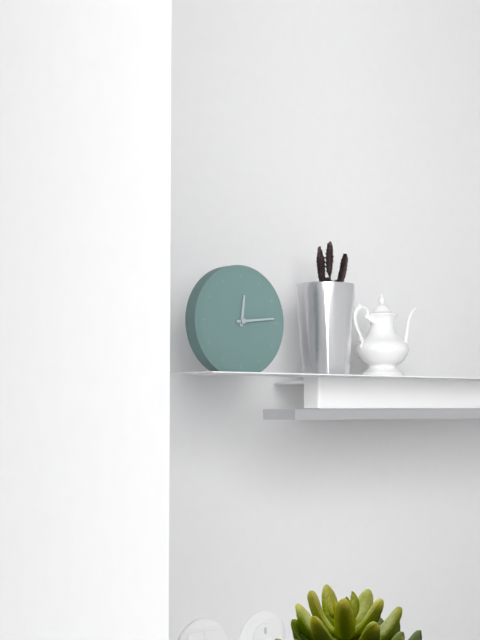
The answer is 12 h 14 min
